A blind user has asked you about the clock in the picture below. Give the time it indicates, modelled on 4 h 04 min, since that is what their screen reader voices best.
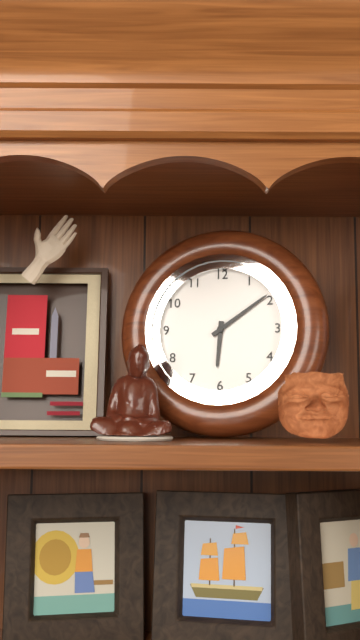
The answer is 6 h 09 min
